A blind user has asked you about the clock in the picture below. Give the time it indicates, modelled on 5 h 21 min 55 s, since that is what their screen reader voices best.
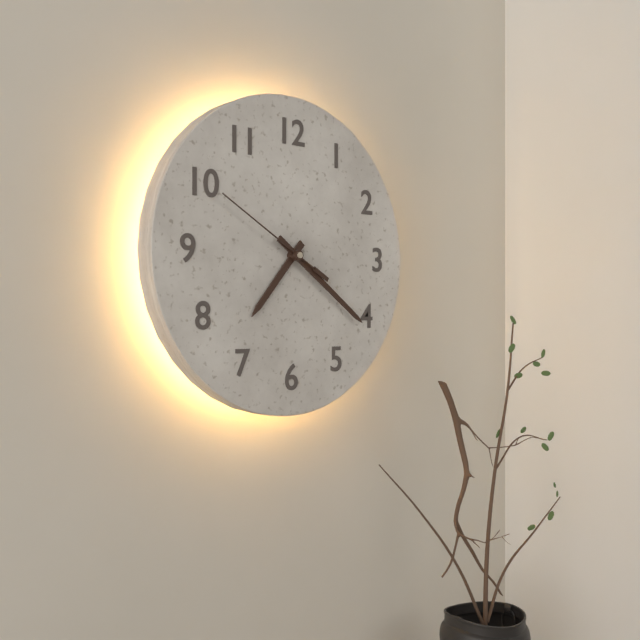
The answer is 7 h 21 min 50 s
